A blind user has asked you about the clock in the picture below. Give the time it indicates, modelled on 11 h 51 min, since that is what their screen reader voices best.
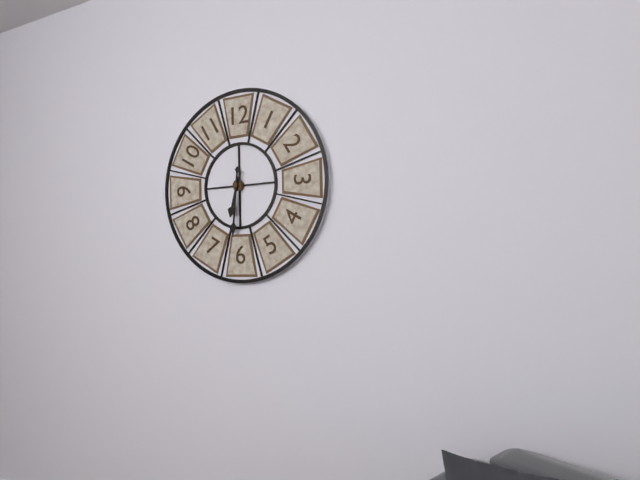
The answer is 6 h 31 min
